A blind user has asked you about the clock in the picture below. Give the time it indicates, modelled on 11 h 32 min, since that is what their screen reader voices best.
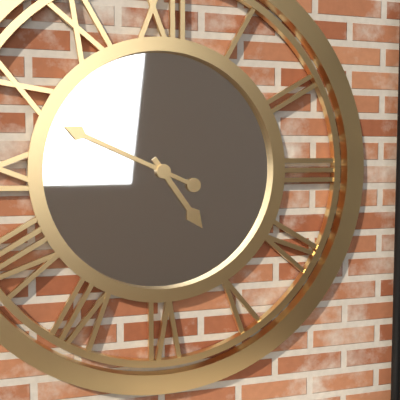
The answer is 4 h 49 min
